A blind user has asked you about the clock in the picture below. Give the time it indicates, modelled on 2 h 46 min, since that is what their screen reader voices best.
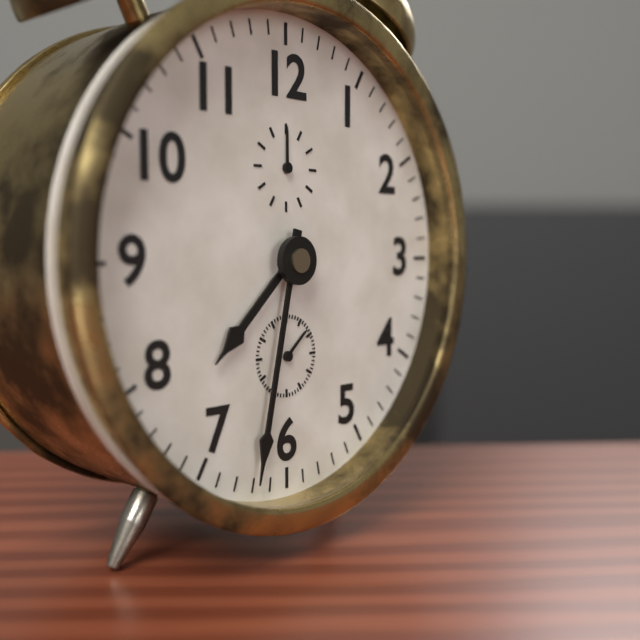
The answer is 7 h 32 min
